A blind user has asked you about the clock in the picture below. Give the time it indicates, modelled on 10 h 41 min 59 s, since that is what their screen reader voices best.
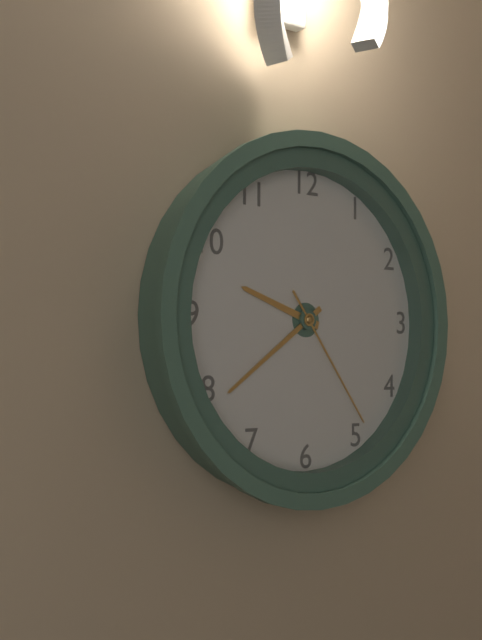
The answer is 9 h 39 min 24 s
